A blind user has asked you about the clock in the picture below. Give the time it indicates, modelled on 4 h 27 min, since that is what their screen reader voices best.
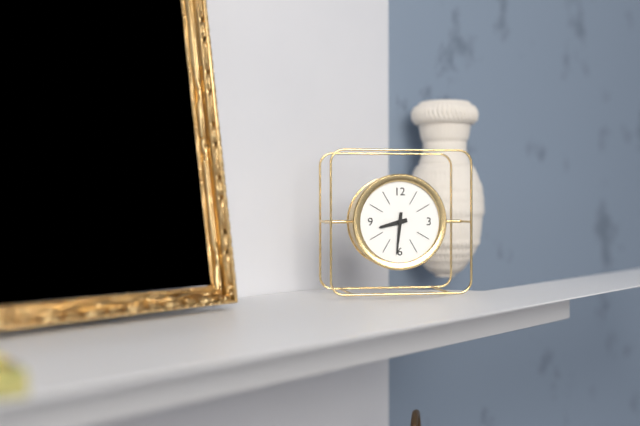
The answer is 8 h 31 min
